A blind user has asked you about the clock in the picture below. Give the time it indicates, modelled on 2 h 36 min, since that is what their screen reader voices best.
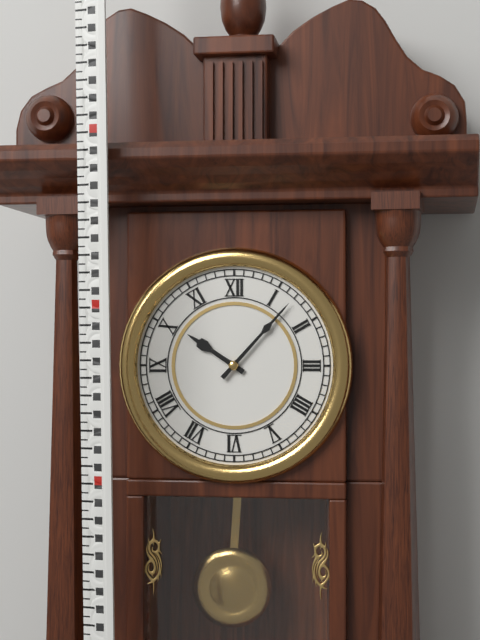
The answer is 10 h 07 min
